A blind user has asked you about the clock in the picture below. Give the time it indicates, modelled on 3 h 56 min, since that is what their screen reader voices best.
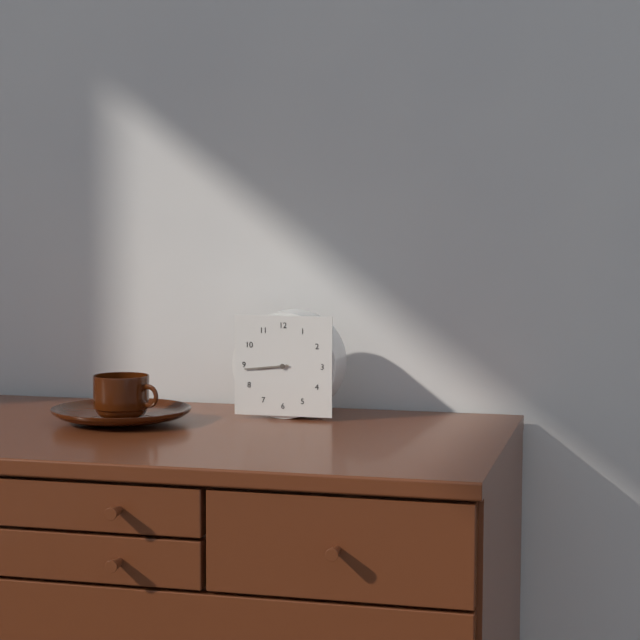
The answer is 8 h 44 min
